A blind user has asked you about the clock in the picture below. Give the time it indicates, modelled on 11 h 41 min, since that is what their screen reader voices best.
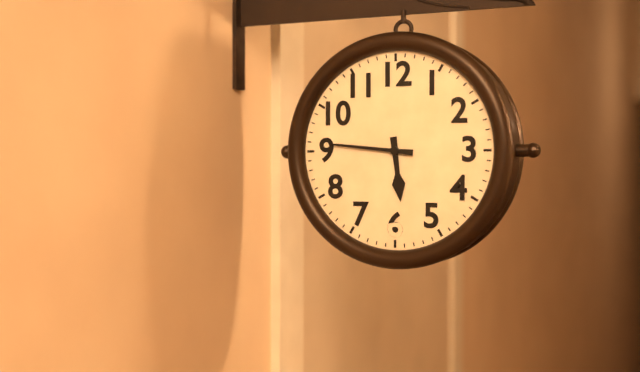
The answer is 5 h 46 min
